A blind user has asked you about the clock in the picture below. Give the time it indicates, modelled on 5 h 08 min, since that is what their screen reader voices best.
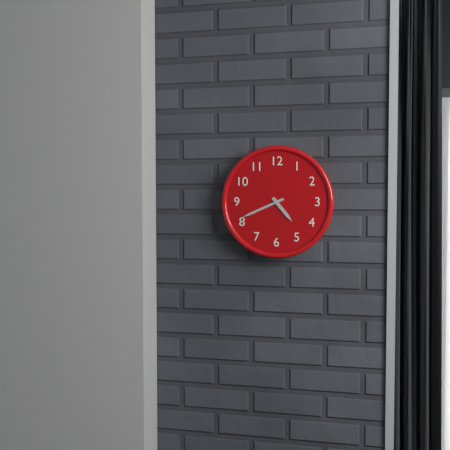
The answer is 4 h 41 min
